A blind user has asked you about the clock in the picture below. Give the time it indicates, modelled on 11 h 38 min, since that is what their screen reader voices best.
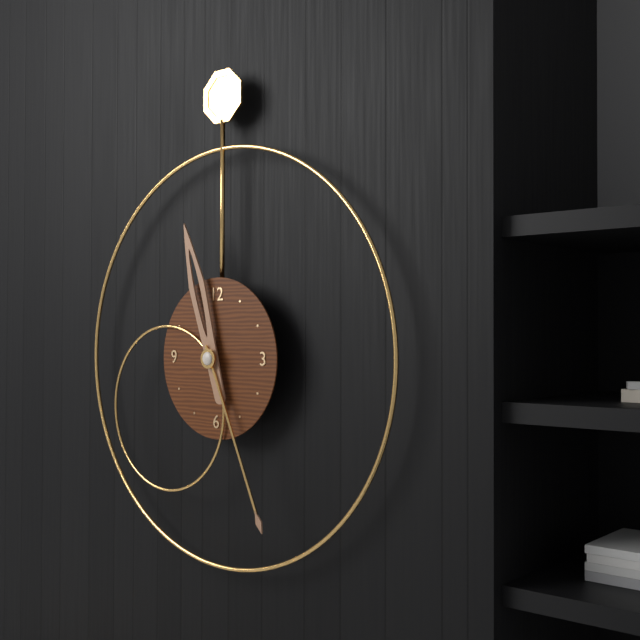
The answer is 11 h 26 min
